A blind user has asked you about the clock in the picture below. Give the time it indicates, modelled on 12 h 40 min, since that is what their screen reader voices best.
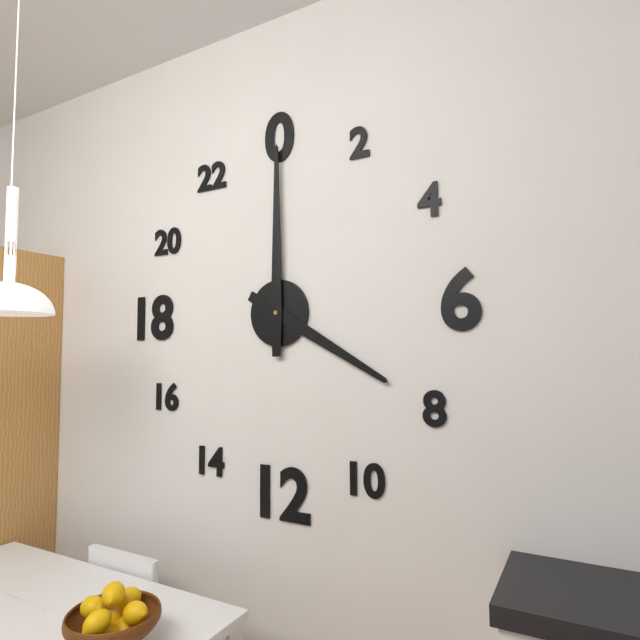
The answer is 4 h 00 min
